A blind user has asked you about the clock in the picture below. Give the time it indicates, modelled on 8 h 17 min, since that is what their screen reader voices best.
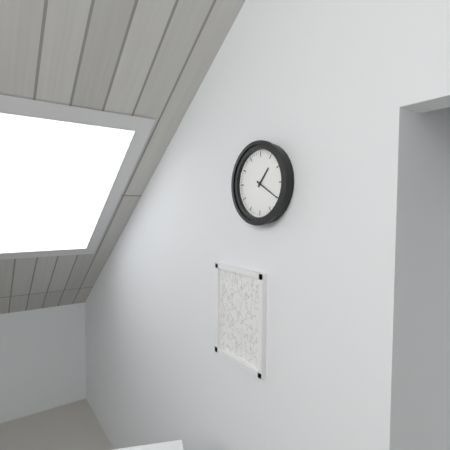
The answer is 1 h 20 min
